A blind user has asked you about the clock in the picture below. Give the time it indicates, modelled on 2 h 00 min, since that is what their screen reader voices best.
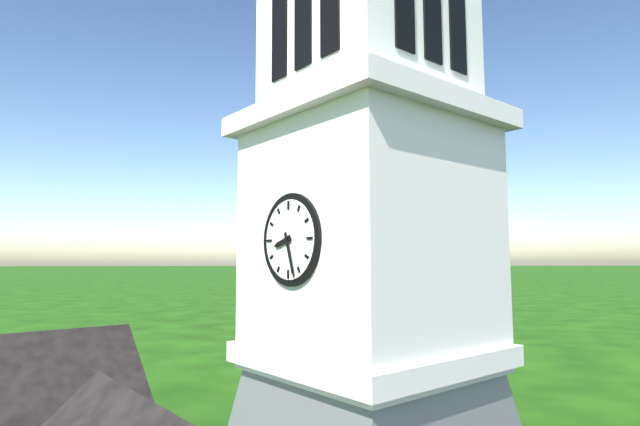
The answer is 8 h 27 min
